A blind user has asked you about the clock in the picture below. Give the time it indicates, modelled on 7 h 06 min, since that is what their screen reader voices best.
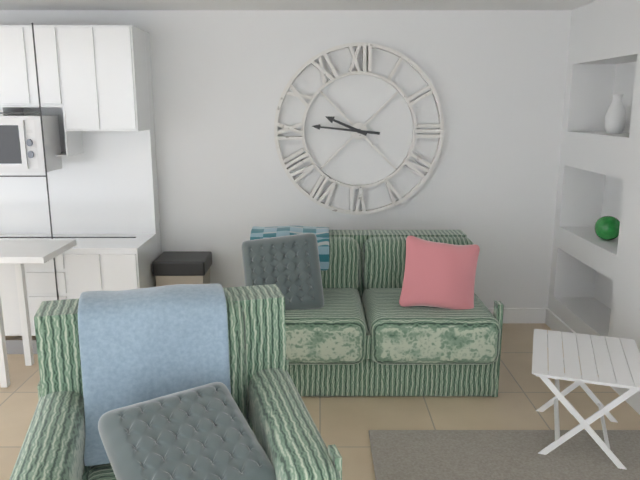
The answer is 9 h 46 min
